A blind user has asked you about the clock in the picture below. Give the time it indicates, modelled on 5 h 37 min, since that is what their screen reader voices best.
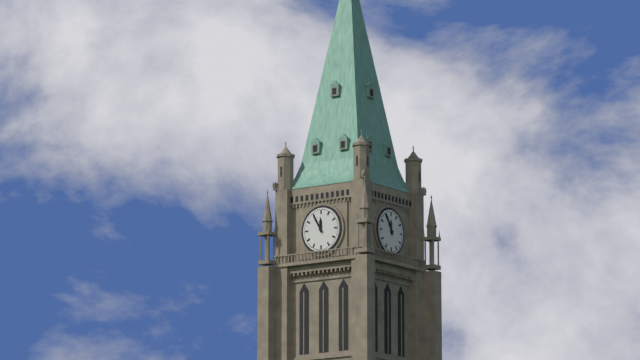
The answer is 11 h 55 min
